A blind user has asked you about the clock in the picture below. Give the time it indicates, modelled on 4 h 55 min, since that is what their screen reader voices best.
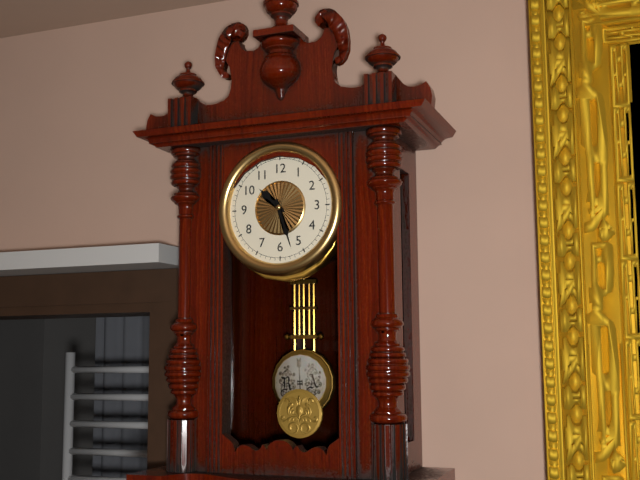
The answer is 10 h 27 min
